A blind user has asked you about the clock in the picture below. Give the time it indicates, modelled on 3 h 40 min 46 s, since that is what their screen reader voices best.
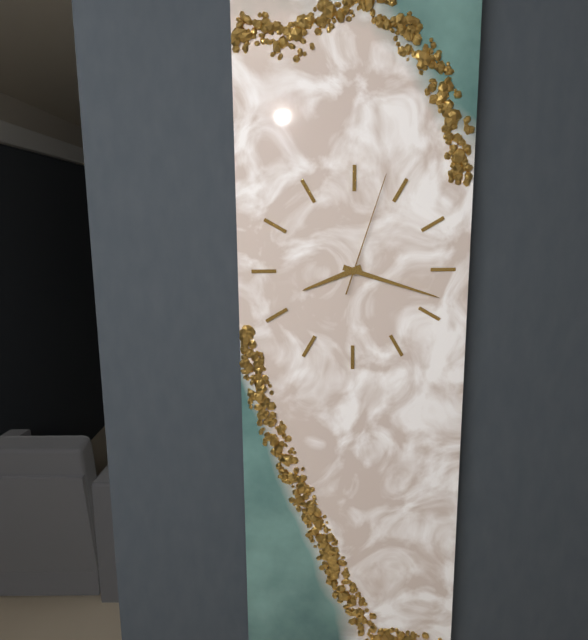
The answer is 8 h 18 min 03 s
